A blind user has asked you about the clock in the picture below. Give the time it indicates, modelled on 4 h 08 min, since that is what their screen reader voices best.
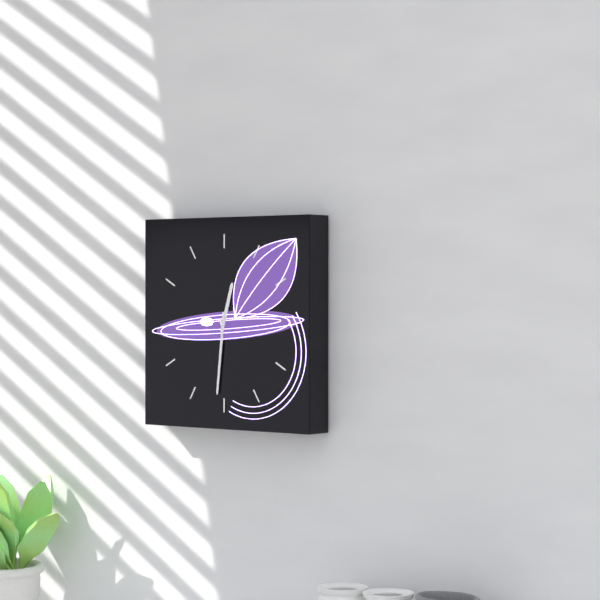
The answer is 12 h 31 min
